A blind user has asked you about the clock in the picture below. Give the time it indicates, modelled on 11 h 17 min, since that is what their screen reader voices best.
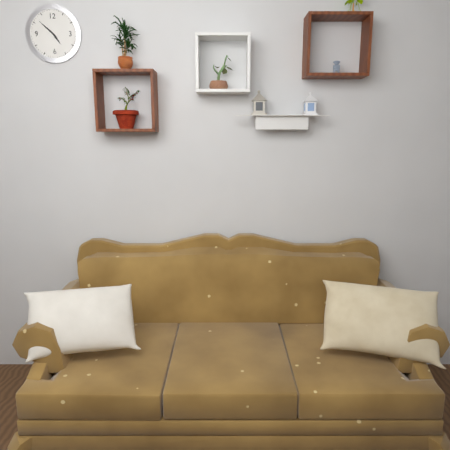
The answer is 4 h 52 min
